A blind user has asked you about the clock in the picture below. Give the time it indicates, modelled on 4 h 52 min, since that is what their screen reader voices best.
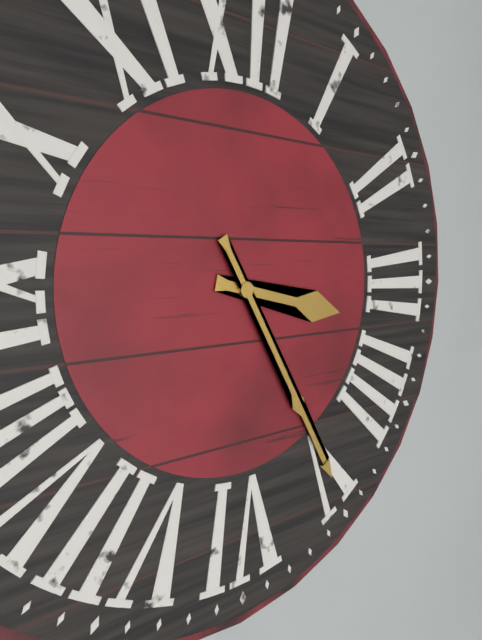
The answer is 3 h 25 min
